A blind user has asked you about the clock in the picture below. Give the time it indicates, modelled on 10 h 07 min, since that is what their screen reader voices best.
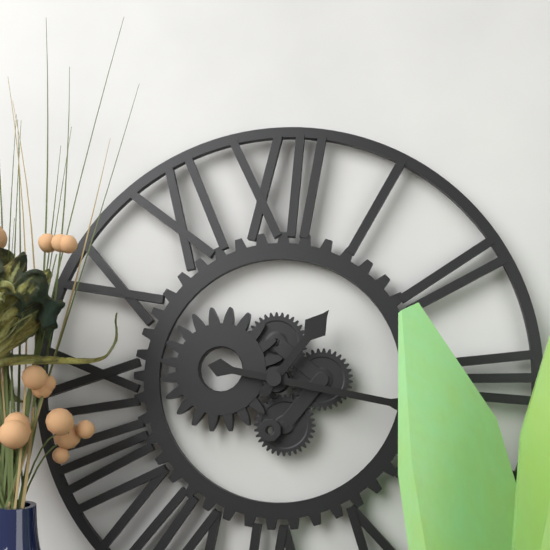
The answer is 1 h 17 min
